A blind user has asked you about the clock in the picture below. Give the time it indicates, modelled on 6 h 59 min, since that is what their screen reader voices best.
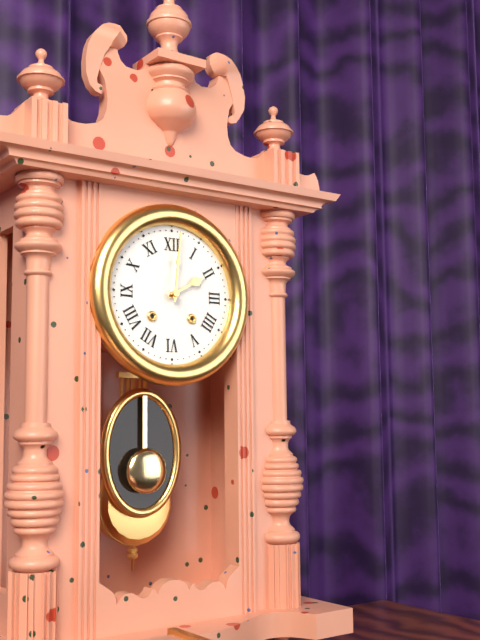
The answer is 2 h 01 min
